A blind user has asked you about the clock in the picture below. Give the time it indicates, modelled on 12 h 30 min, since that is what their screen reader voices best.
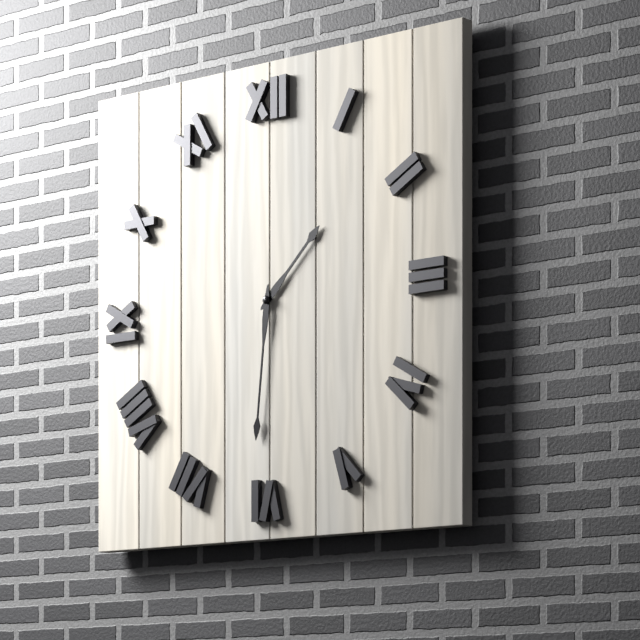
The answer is 1 h 31 min
